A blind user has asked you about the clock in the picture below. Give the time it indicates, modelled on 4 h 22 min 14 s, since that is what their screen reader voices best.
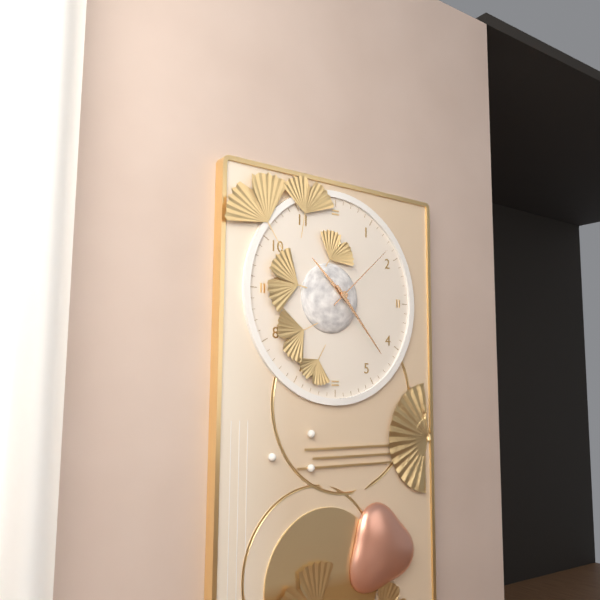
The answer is 10 h 23 min 08 s
